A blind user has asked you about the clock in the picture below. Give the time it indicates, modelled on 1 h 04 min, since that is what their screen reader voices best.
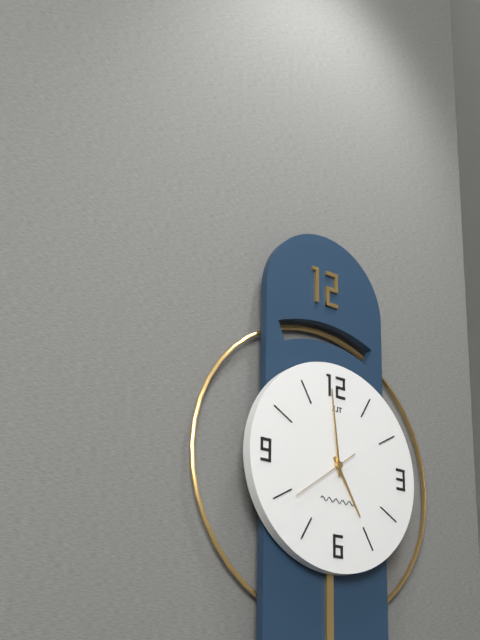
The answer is 4 h 59 min
